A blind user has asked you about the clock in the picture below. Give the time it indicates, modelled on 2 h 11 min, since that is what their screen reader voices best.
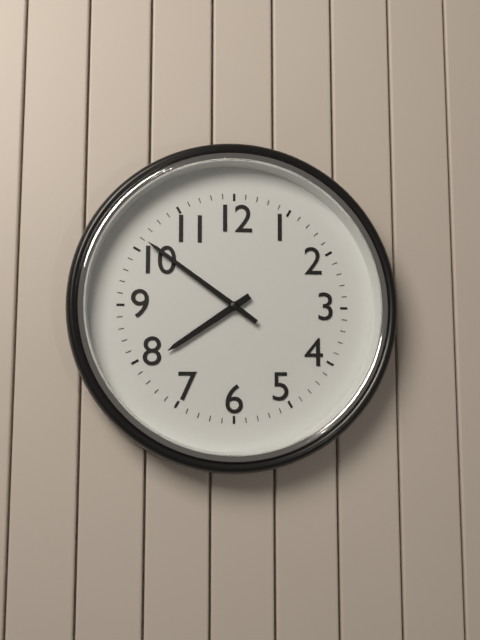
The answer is 7 h 51 min
